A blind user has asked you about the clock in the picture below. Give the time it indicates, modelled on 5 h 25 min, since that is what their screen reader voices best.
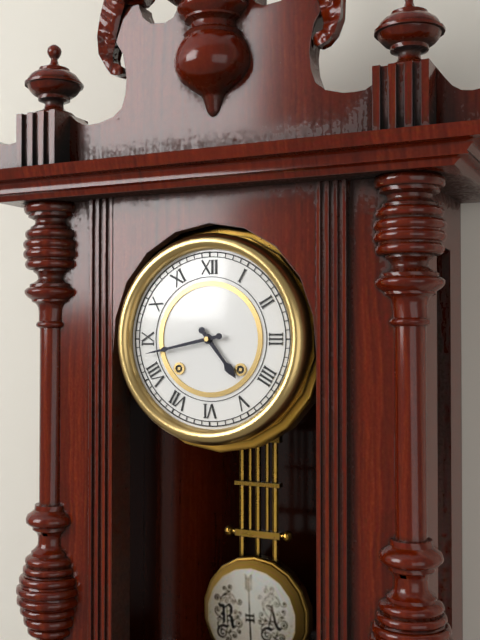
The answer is 4 h 43 min
